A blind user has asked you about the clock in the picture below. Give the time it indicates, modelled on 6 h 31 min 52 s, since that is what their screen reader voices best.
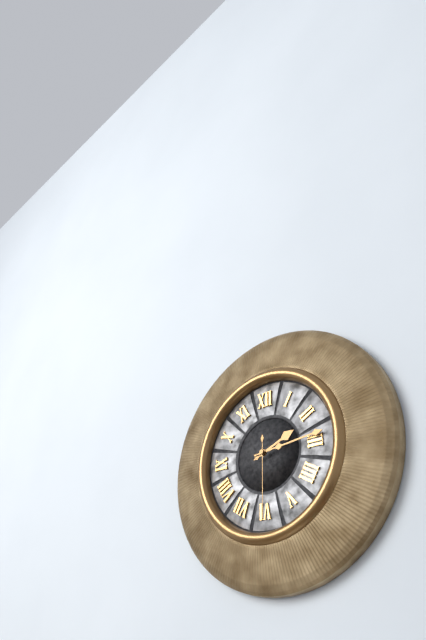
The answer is 2 h 14 min 30 s
